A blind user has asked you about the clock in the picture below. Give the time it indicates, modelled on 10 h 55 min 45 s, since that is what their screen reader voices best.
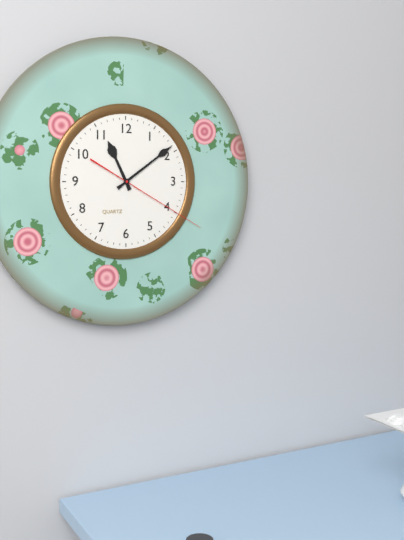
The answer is 11 h 09 min 20 s
